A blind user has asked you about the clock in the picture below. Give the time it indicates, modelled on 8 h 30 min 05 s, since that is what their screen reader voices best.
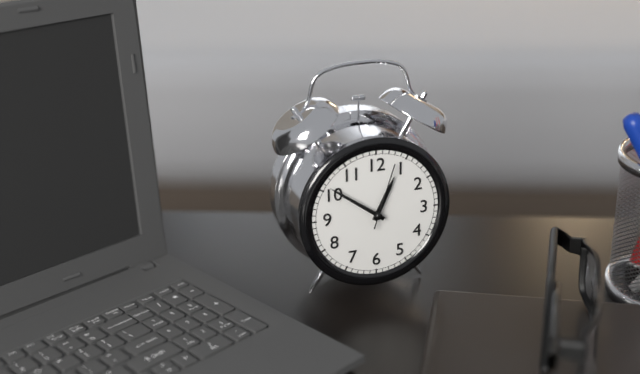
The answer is 12 h 51 min 03 s
